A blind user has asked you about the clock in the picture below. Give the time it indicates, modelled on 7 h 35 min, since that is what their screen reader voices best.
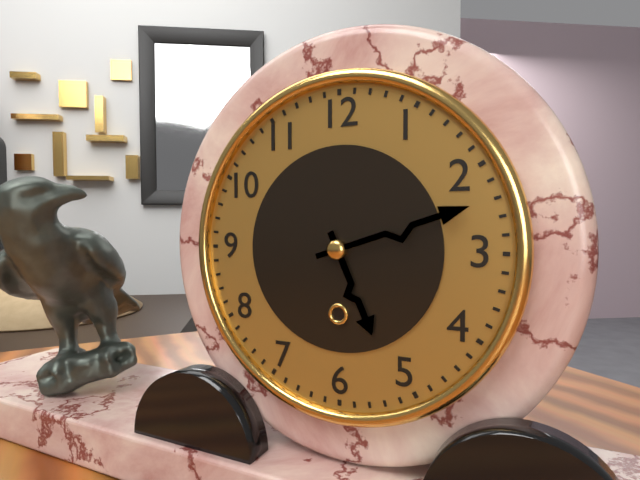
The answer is 5 h 12 min
